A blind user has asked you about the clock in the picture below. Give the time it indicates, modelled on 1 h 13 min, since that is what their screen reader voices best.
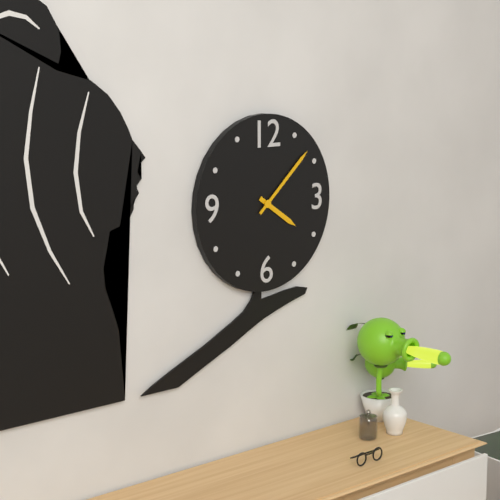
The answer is 4 h 08 min
